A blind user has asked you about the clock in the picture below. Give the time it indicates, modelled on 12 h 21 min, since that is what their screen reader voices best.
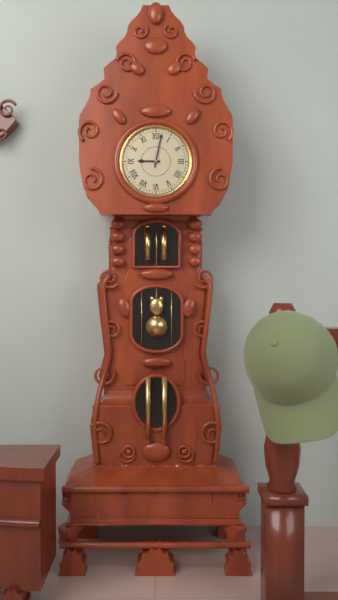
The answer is 9 h 02 min
